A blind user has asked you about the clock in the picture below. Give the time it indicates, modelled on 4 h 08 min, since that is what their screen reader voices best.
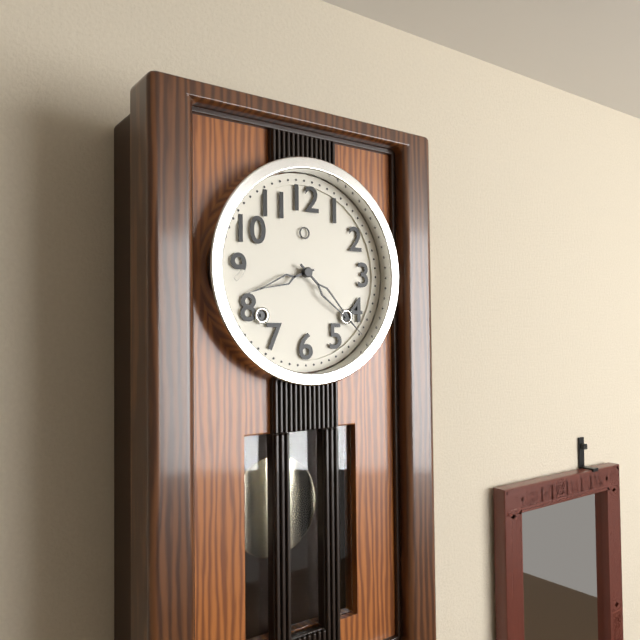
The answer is 8 h 22 min
